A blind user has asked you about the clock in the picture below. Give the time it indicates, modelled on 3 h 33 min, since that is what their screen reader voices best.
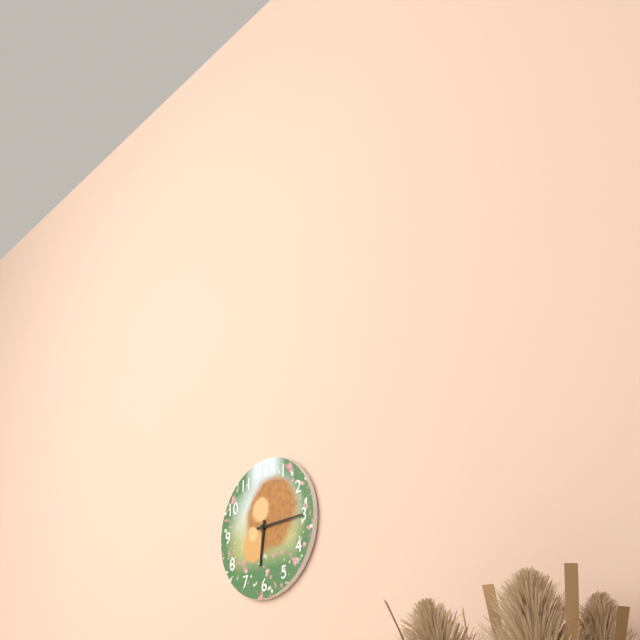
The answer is 6 h 15 min
